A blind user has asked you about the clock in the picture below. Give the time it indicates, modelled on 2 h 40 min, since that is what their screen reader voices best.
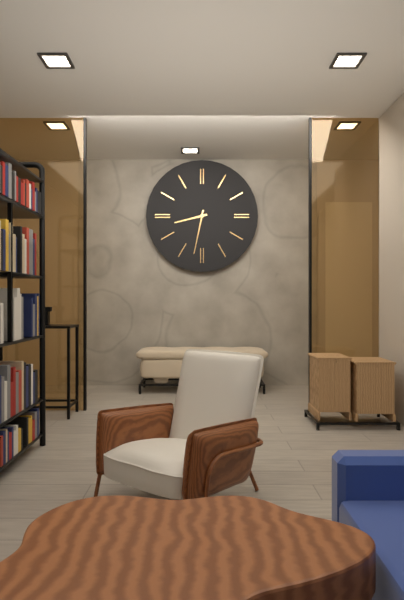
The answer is 8 h 32 min
